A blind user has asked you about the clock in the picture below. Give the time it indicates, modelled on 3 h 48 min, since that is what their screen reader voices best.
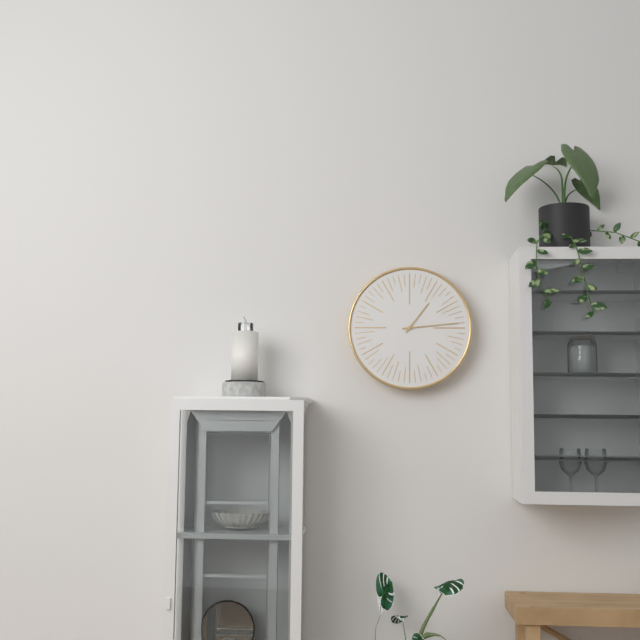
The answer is 1 h 14 min
